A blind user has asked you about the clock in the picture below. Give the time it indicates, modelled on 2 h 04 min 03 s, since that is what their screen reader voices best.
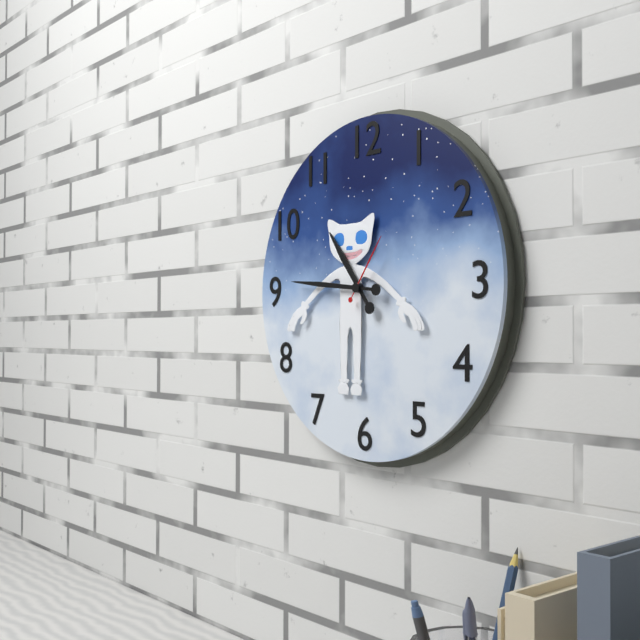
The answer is 10 h 46 min 06 s
